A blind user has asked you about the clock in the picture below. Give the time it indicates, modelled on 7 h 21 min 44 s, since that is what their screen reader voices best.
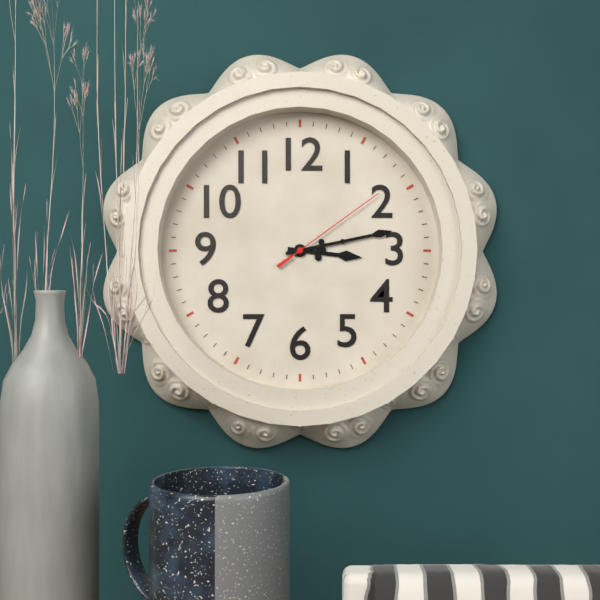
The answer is 3 h 13 min 09 s
